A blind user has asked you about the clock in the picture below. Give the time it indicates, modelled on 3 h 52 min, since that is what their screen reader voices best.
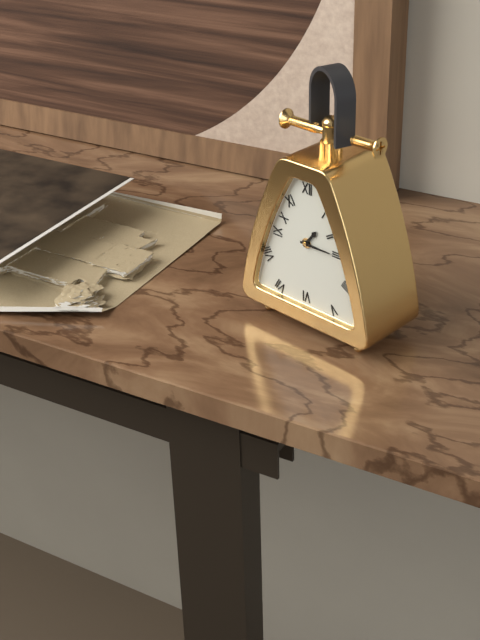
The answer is 1 h 15 min
